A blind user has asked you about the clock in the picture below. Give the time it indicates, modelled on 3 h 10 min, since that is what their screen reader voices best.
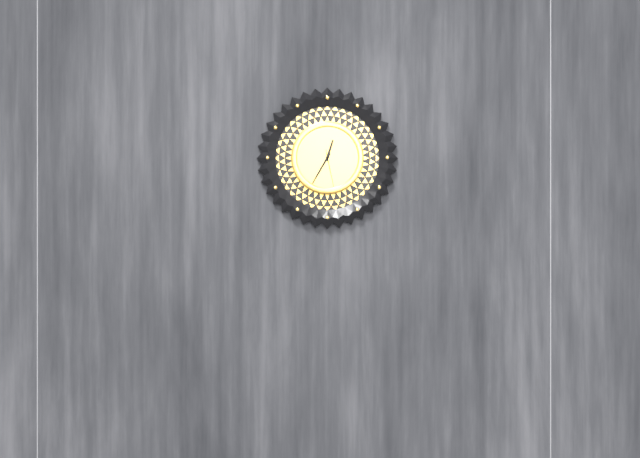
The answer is 12 h 35 min
